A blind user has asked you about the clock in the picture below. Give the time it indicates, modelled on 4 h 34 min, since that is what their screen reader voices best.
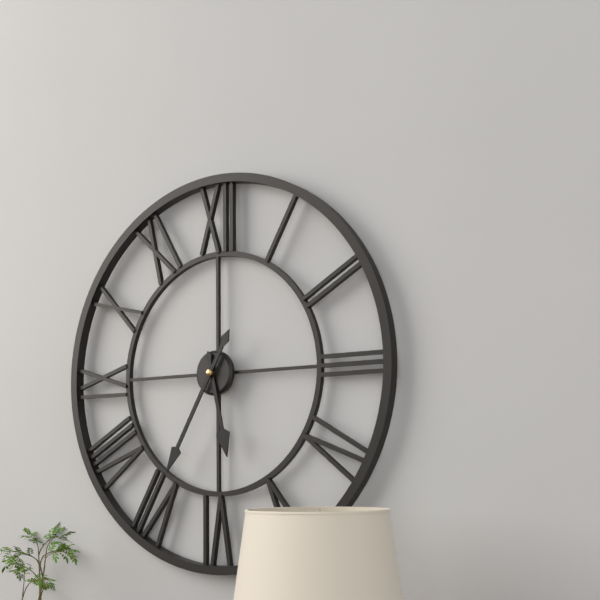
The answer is 5 h 35 min
